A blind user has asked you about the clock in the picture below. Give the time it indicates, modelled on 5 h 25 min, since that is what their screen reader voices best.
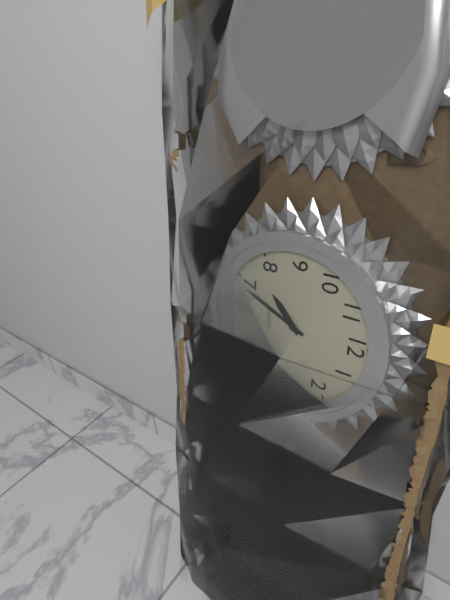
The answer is 7 h 34 min
